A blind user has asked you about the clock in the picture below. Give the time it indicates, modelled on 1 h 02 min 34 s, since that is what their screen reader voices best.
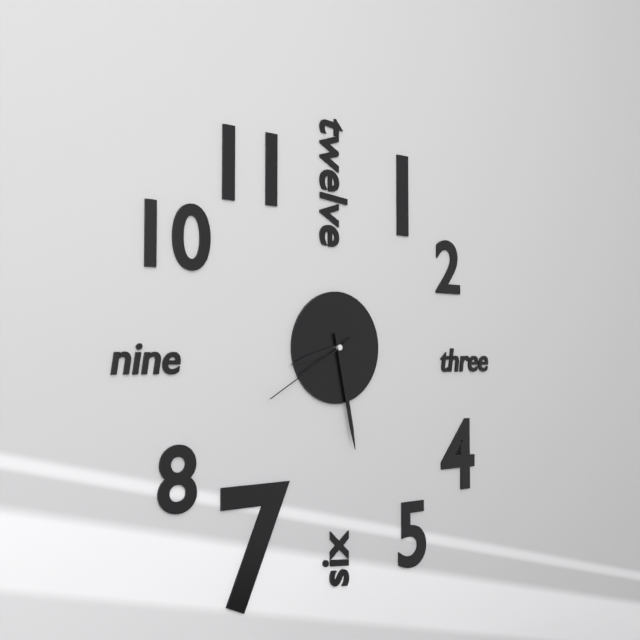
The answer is 8 h 28 min 40 s
